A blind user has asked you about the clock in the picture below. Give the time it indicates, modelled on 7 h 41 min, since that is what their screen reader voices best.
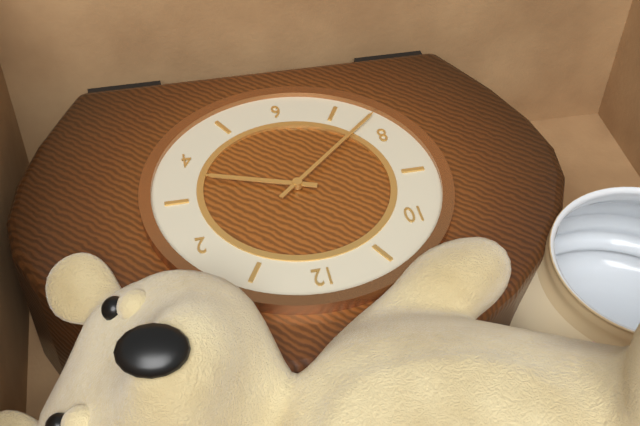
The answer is 3 h 38 min
